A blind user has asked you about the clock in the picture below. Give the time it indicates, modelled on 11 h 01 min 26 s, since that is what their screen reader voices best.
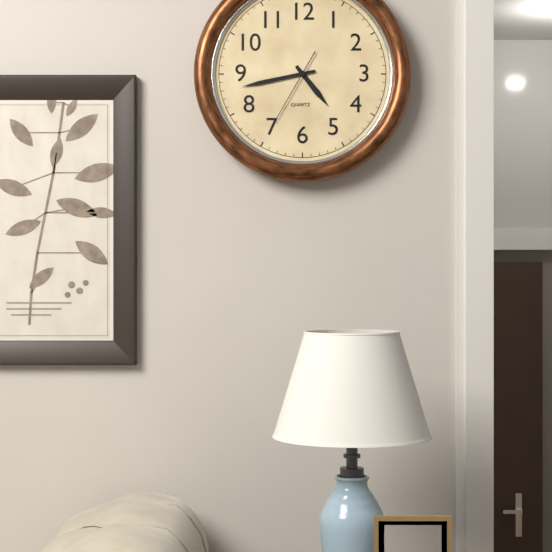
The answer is 4 h 43 min 35 s
